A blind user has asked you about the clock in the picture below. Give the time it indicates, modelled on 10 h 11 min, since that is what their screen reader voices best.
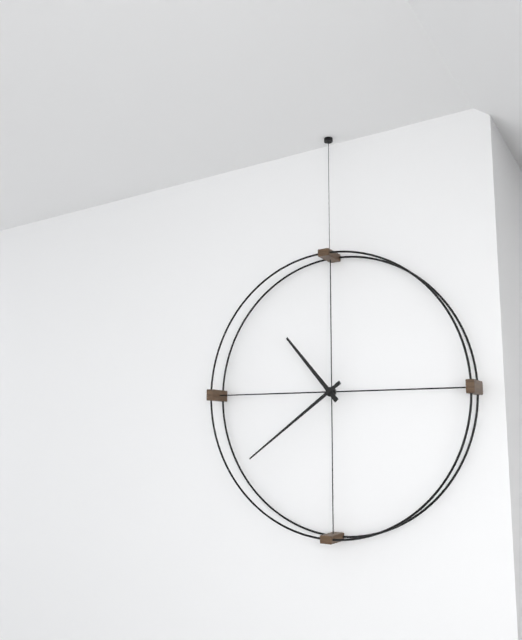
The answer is 10 h 39 min
